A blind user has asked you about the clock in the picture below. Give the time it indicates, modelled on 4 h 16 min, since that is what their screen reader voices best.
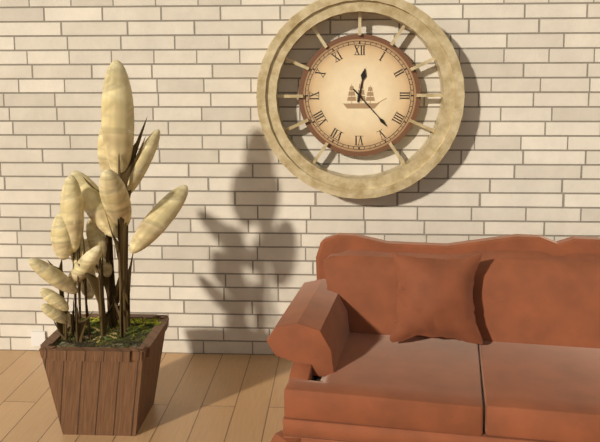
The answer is 12 h 23 min
